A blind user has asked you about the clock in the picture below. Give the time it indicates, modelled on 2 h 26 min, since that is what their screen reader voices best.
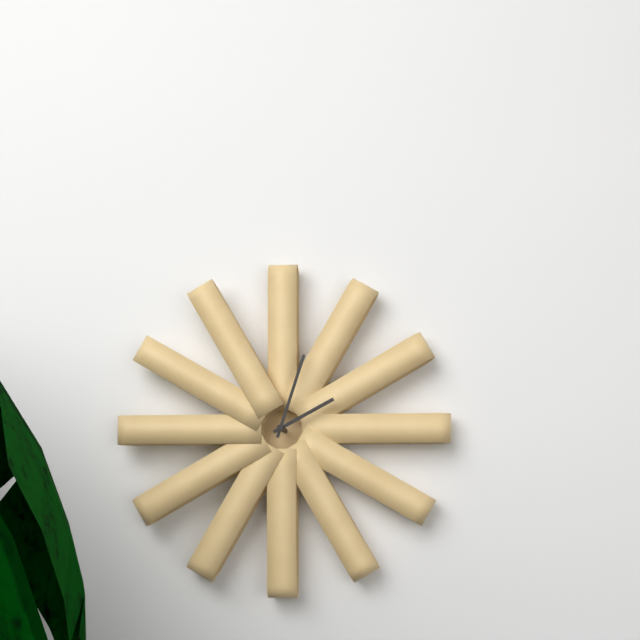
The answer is 2 h 03 min
